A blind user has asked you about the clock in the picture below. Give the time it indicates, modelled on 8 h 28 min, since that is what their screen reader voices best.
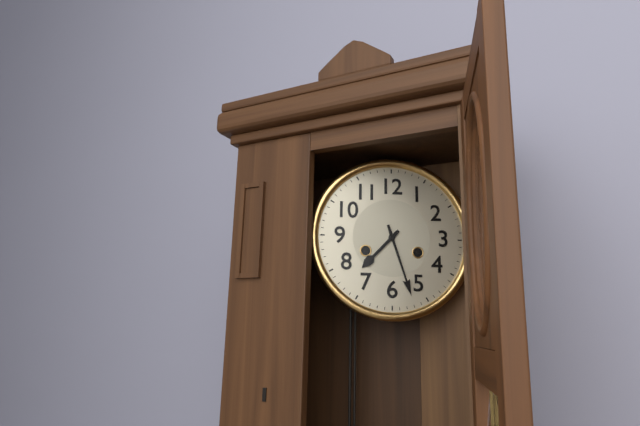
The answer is 7 h 27 min
